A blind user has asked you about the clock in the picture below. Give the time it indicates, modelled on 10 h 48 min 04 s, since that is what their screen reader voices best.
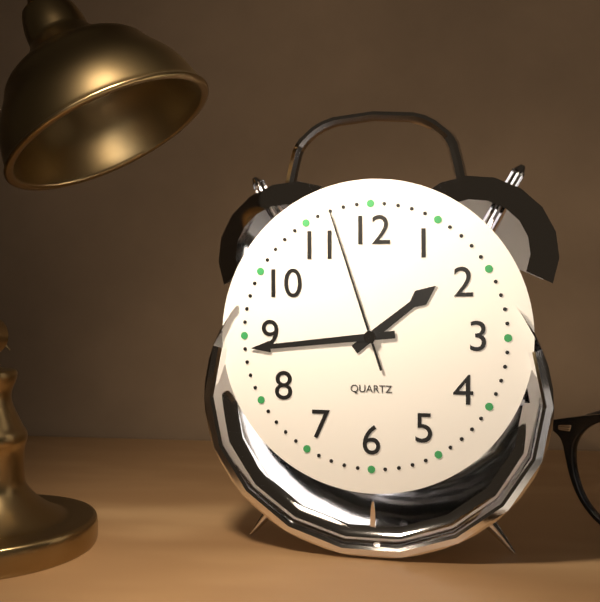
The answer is 1 h 44 min 57 s
